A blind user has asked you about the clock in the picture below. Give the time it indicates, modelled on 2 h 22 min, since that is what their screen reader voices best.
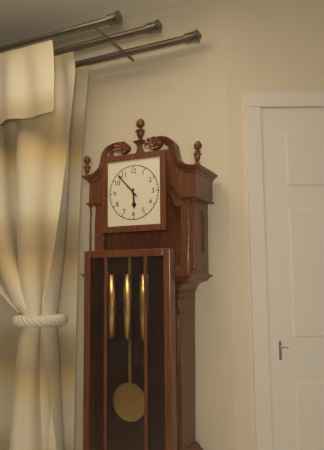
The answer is 5 h 53 min
